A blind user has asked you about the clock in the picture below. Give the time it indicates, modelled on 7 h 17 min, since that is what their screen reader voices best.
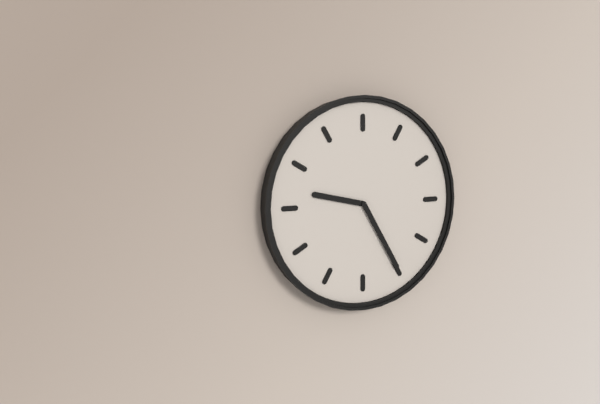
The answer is 9 h 25 min
